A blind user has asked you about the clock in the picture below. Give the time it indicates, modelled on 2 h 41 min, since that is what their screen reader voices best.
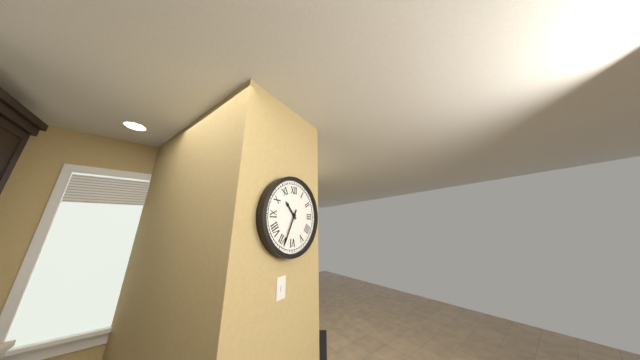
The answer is 10 h 34 min
